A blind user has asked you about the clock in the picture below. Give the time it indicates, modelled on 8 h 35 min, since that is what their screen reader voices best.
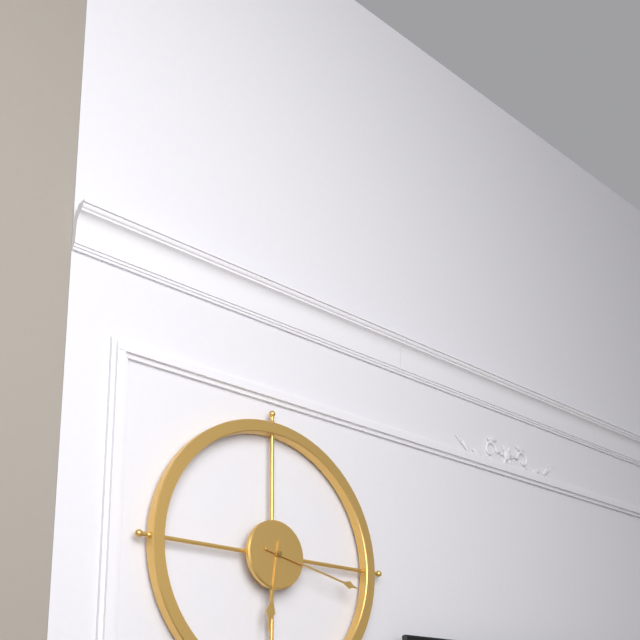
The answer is 6 h 17 min
